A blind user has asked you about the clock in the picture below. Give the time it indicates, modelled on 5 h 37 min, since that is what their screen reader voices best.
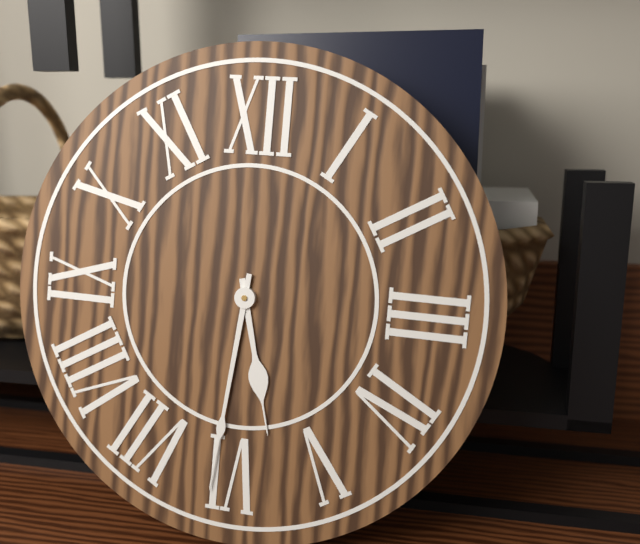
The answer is 5 h 31 min
